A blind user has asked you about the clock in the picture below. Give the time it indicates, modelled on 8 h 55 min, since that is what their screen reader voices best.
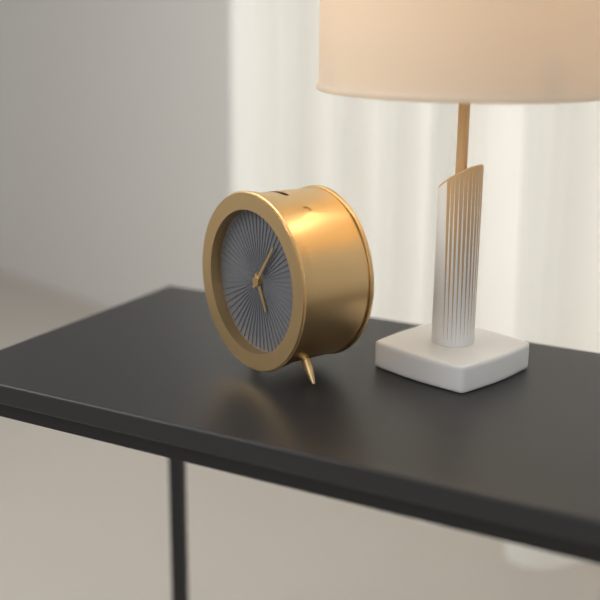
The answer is 5 h 06 min
